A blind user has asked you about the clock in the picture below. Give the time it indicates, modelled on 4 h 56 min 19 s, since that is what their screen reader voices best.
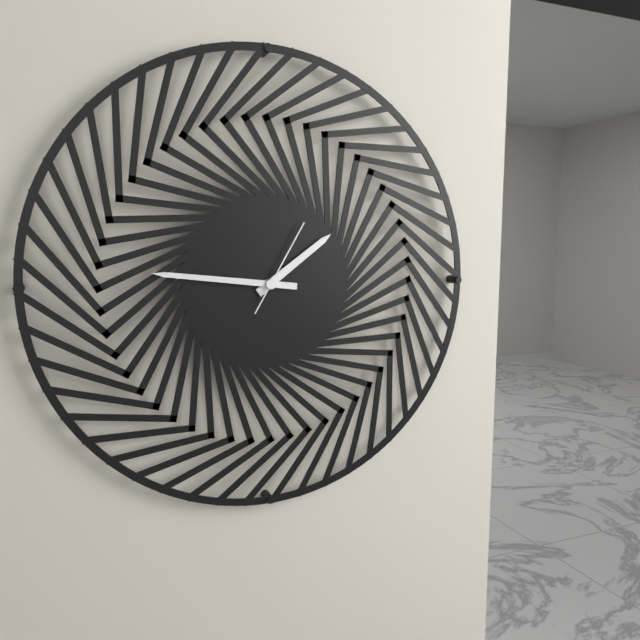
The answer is 1 h 46 min 05 s
